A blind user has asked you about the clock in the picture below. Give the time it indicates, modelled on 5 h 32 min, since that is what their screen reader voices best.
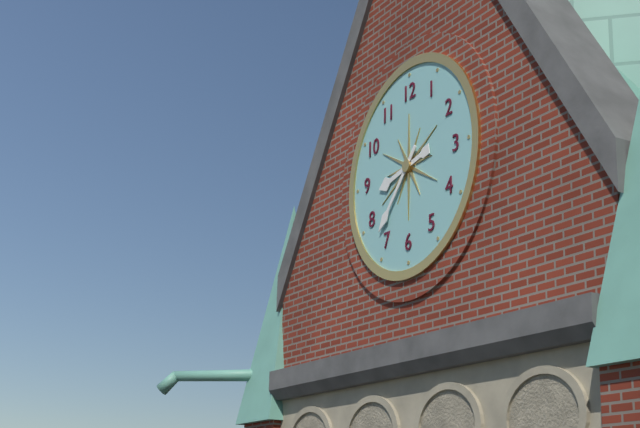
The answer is 8 h 37 min
